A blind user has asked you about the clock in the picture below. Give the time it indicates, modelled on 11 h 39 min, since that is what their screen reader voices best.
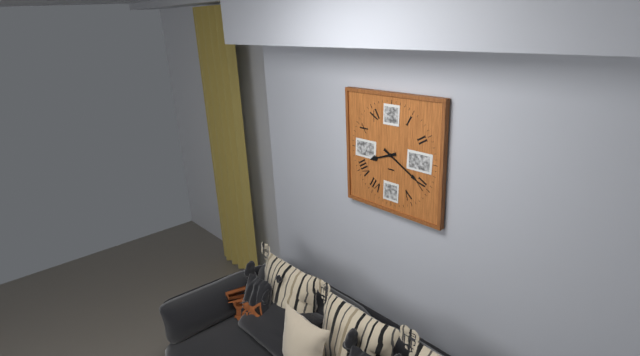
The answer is 8 h 20 min
